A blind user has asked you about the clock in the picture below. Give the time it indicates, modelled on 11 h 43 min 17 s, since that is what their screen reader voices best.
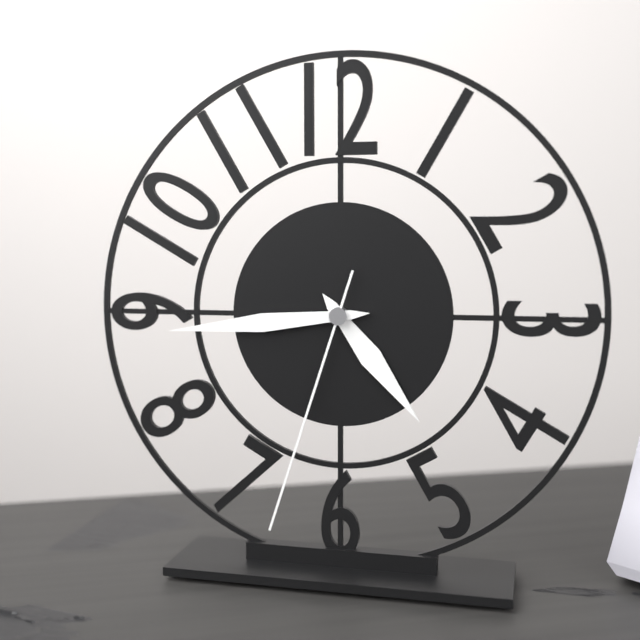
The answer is 4 h 44 min 33 s
